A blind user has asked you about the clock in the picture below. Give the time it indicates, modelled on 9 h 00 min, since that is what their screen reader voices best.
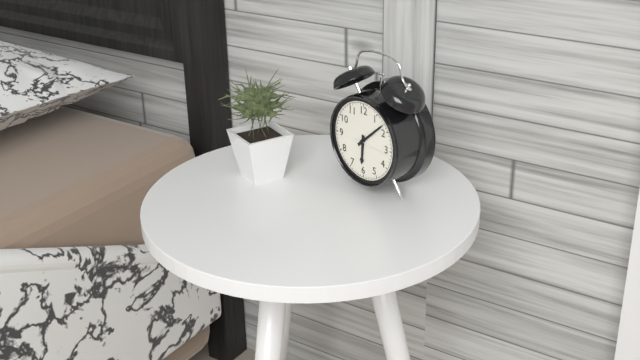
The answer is 6 h 08 min
